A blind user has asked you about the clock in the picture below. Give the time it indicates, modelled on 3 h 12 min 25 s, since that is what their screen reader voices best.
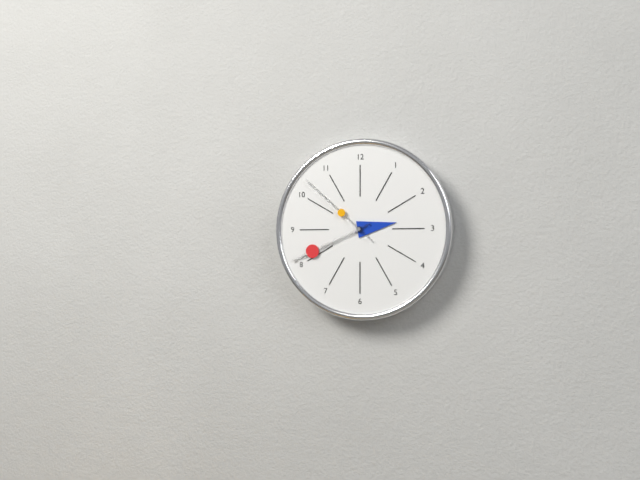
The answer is 2 h 41 min 52 s
